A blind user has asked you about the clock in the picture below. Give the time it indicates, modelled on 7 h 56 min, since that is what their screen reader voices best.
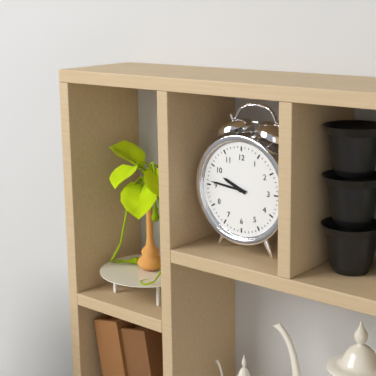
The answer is 9 h 46 min
